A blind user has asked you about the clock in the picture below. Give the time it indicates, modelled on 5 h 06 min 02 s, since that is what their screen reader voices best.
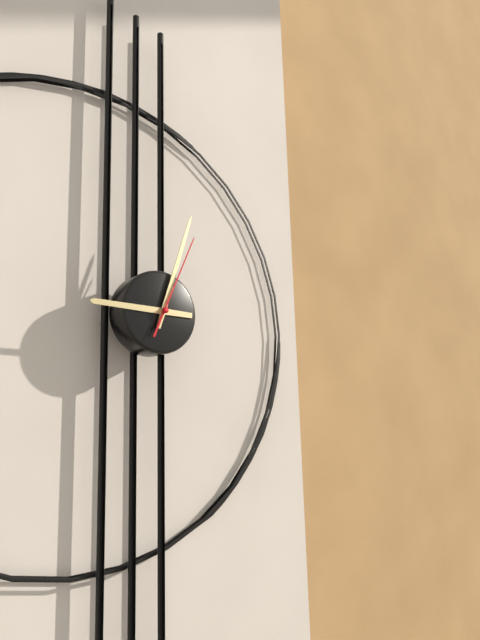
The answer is 9 h 03 min 04 s
